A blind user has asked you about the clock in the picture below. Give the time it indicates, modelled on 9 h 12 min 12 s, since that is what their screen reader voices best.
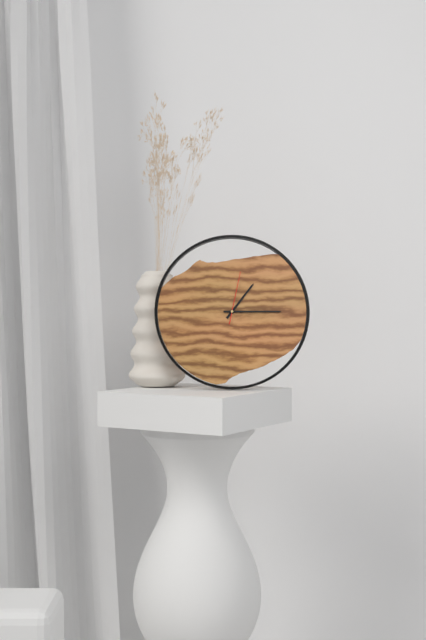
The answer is 1 h 15 min 02 s
